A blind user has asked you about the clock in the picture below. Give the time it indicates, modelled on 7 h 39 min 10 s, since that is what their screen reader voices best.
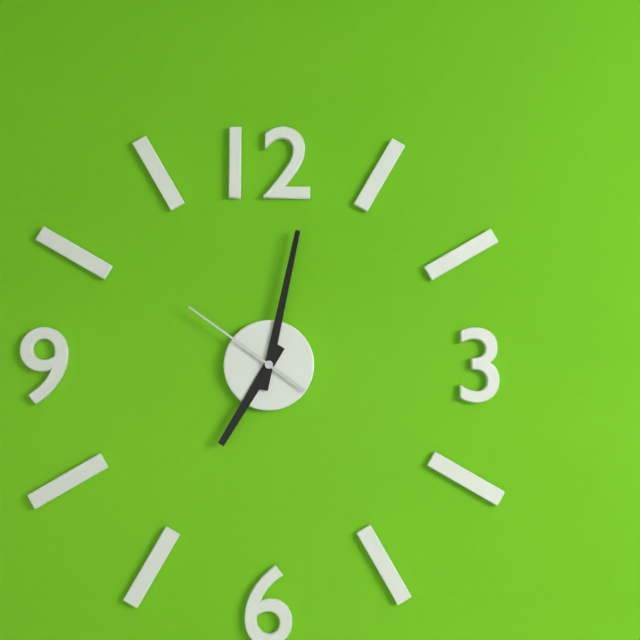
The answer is 7 h 02 min 51 s
